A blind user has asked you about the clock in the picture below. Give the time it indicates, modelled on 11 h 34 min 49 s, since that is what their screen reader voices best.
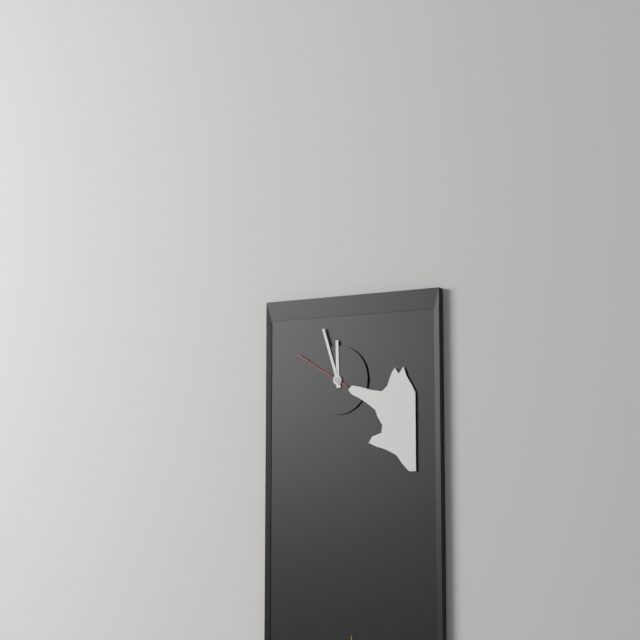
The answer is 11 h 57 min 50 s
